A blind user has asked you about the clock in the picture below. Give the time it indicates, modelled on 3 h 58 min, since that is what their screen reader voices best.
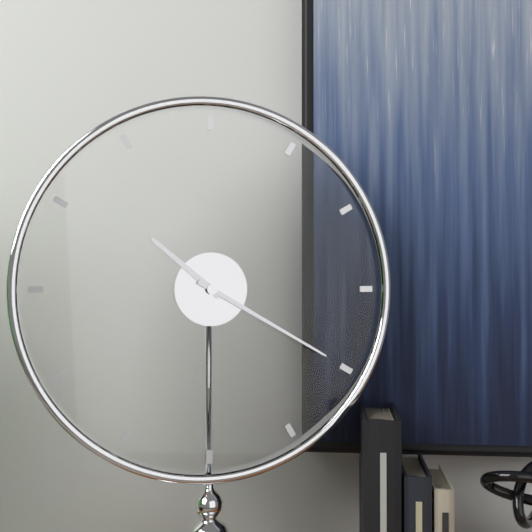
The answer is 10 h 20 min
